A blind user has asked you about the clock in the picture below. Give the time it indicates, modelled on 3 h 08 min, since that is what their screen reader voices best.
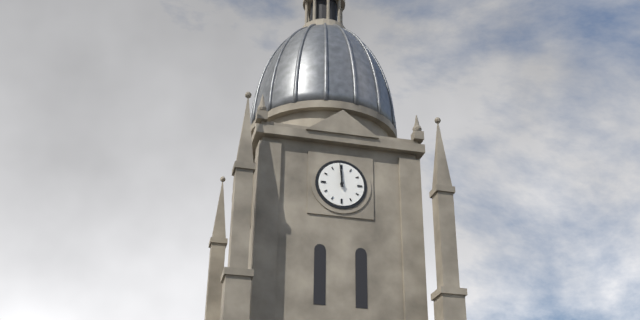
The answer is 11 h 59 min
